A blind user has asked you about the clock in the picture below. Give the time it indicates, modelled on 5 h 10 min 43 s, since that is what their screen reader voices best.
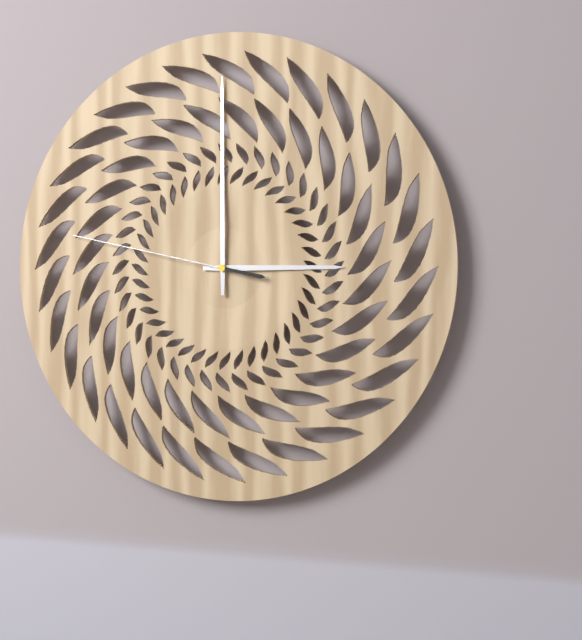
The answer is 3 h 00 min 47 s
